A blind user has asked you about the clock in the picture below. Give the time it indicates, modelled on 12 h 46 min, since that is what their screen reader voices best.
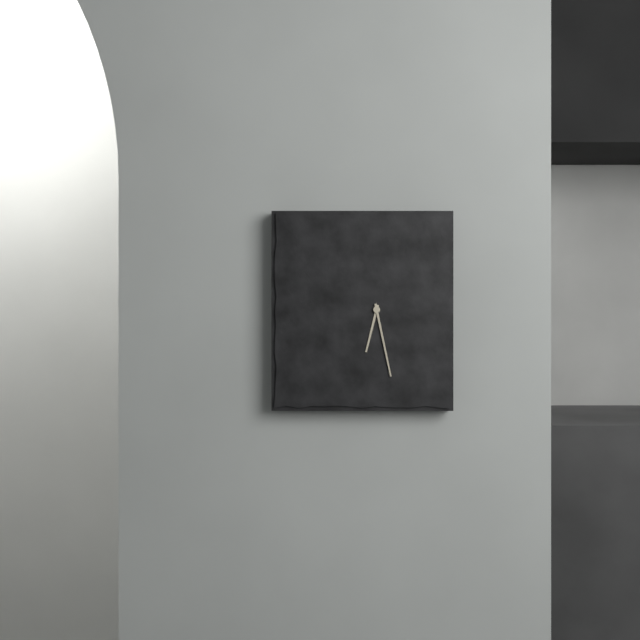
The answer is 6 h 28 min
